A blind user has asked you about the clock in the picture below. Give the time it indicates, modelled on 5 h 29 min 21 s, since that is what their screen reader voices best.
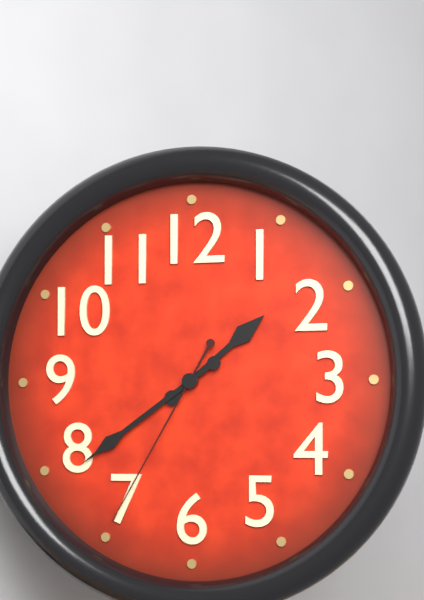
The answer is 1 h 39 min 35 s
